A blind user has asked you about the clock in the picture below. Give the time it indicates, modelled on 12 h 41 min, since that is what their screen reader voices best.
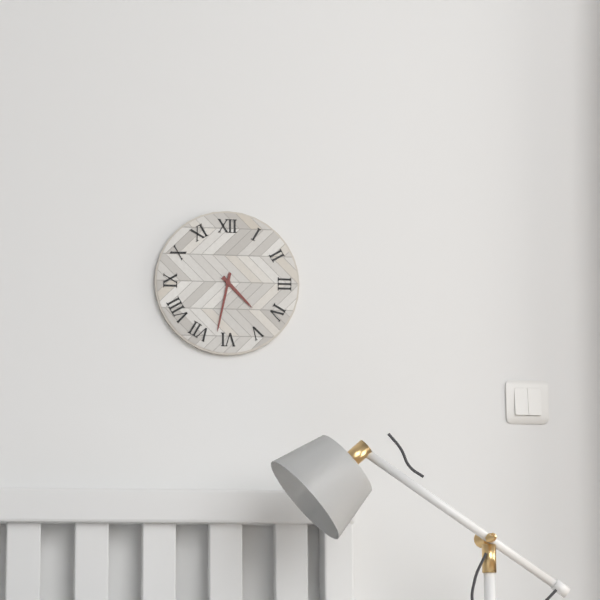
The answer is 4 h 32 min
